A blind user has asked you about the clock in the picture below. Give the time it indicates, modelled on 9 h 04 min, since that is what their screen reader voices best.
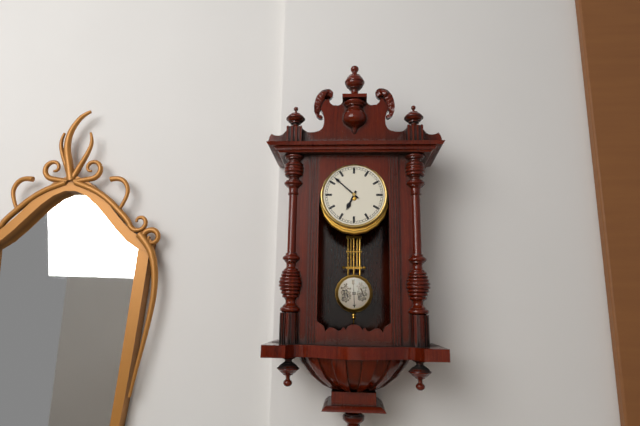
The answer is 6 h 52 min
